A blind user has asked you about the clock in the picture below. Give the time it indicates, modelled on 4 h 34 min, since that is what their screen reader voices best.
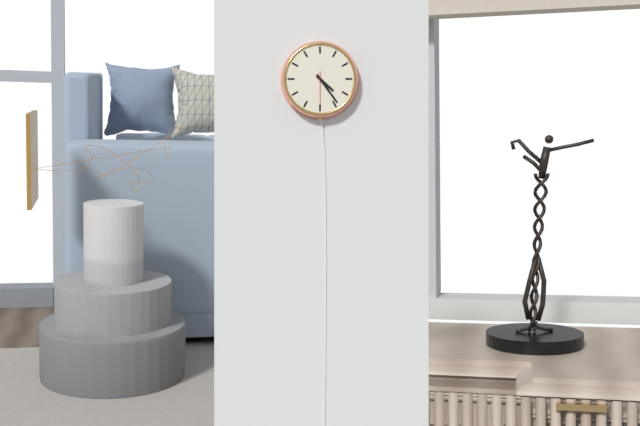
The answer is 4 h 24 min
